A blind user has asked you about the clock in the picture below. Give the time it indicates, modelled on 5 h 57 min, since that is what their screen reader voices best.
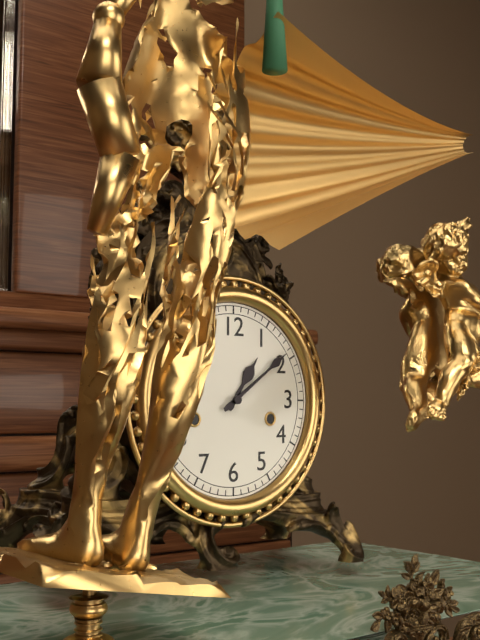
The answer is 1 h 09 min
